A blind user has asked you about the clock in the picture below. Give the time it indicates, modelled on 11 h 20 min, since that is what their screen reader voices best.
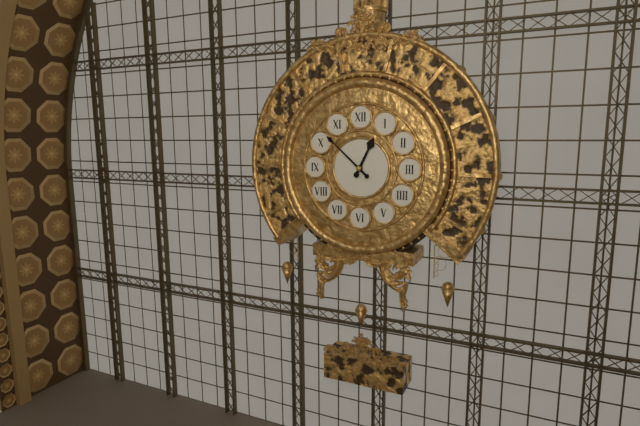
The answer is 12 h 52 min
